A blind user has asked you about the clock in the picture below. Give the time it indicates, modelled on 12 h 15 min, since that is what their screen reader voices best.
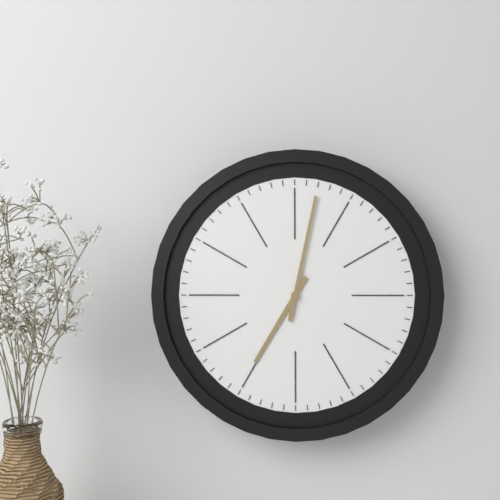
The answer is 7 h 02 min
